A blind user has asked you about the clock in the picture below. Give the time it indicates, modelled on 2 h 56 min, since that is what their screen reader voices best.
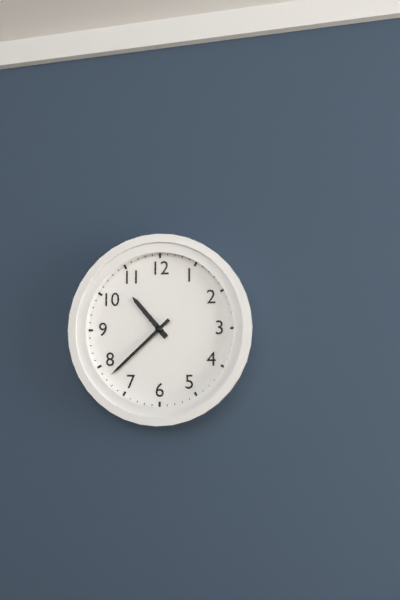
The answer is 10 h 38 min
